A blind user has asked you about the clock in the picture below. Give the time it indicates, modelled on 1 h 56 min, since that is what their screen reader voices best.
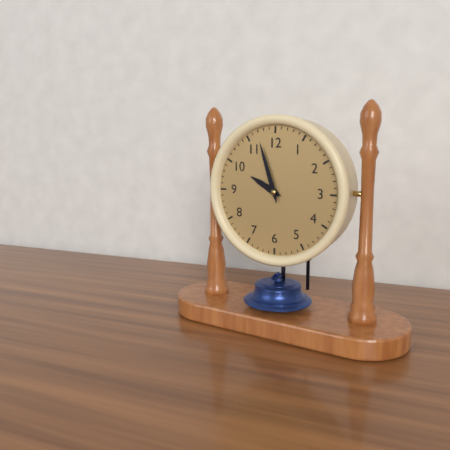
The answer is 9 h 57 min
